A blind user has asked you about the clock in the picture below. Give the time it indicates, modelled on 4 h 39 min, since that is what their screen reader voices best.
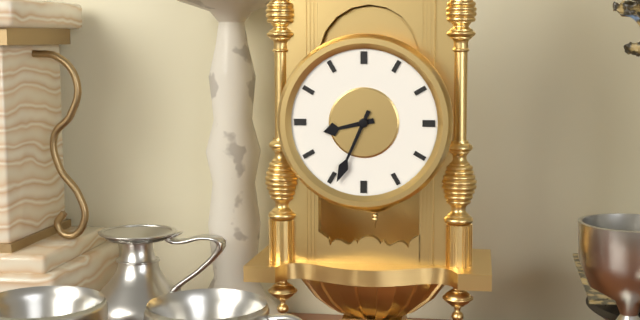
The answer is 8 h 34 min
